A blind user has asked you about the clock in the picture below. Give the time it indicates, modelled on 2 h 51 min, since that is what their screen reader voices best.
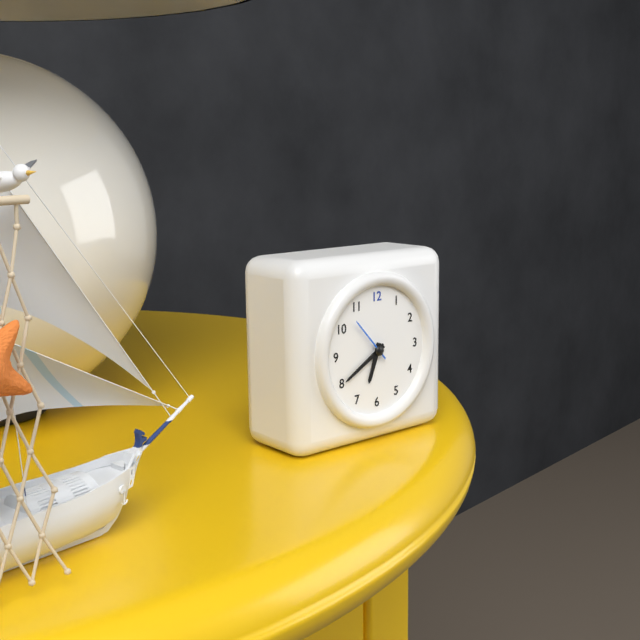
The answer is 6 h 40 min
